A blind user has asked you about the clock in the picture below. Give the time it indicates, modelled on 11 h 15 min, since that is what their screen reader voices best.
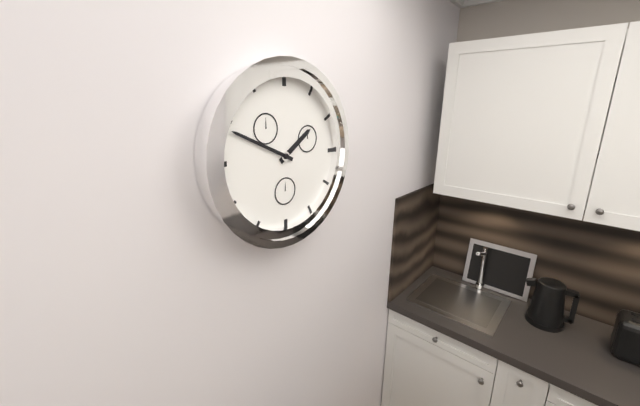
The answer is 1 h 49 min
